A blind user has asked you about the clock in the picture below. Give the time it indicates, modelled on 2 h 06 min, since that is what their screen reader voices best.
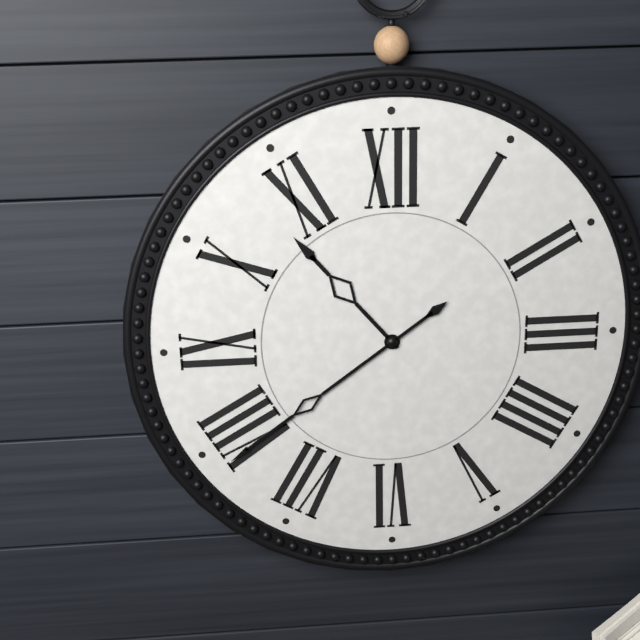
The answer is 10 h 39 min
